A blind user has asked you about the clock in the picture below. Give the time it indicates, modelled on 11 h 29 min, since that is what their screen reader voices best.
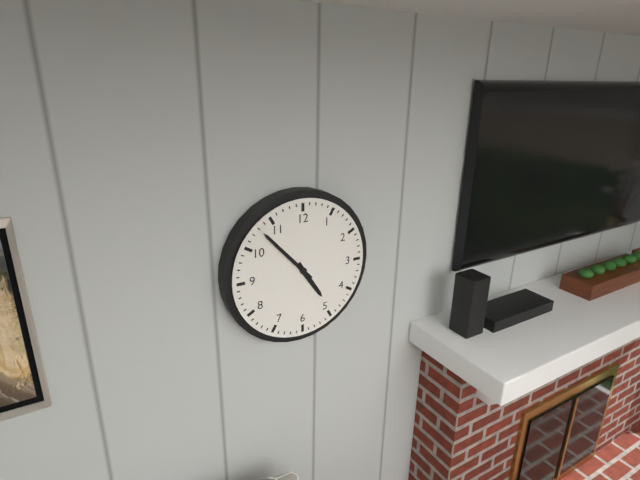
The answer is 4 h 53 min
